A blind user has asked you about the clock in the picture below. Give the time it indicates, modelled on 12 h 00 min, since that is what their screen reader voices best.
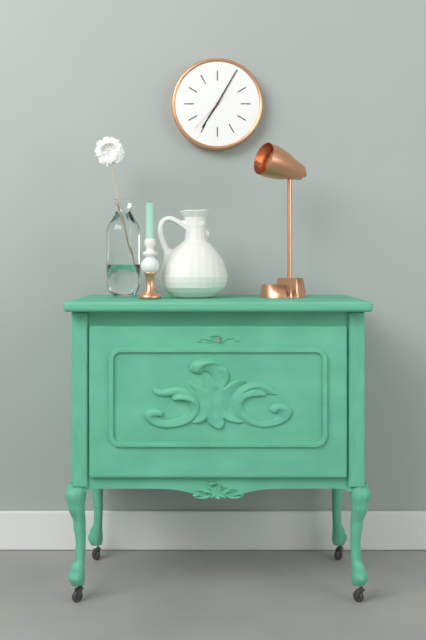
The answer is 7 h 05 min
